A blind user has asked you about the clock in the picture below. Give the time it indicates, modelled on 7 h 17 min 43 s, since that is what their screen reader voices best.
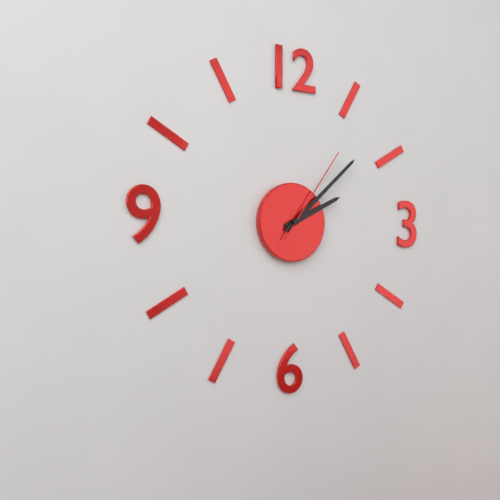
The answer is 2 h 08 min 06 s
